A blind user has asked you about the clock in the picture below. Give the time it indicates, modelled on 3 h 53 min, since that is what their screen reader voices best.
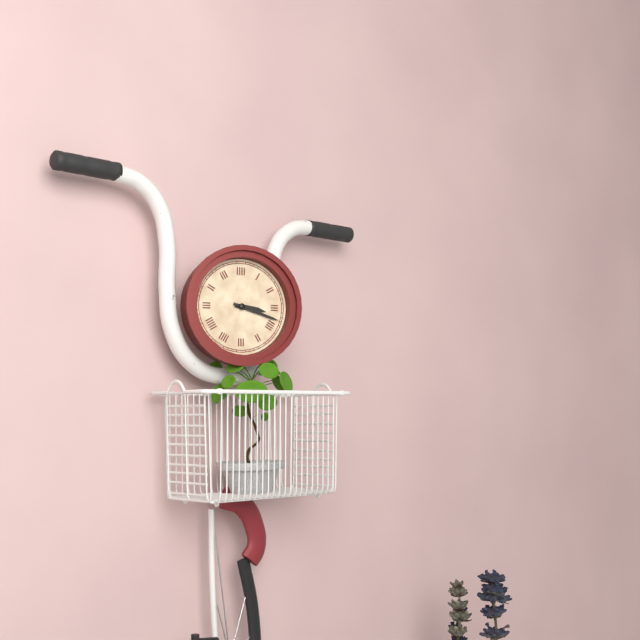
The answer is 3 h 18 min
